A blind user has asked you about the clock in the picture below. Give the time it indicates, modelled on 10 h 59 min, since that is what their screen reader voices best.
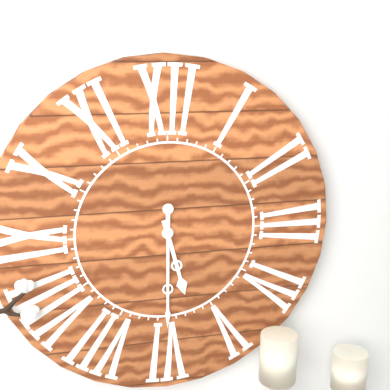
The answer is 5 h 30 min
